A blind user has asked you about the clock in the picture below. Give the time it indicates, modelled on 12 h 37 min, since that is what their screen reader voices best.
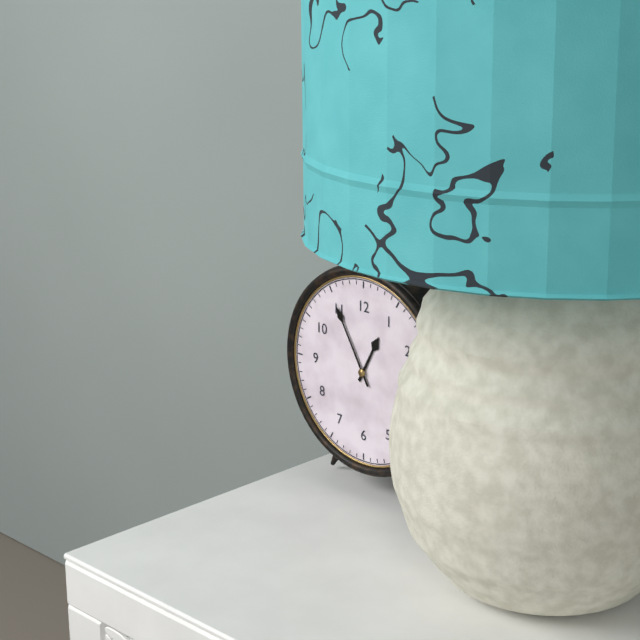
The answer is 12 h 55 min
